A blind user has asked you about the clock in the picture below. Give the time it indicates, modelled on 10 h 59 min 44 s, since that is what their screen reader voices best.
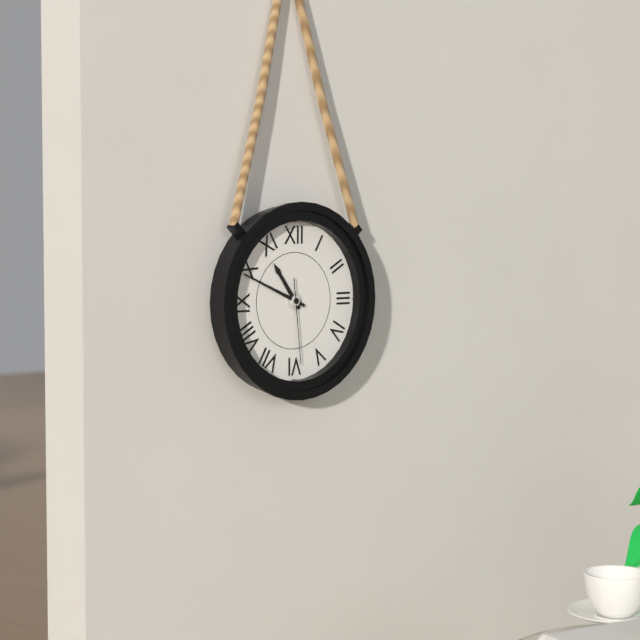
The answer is 10 h 49 min 29 s
